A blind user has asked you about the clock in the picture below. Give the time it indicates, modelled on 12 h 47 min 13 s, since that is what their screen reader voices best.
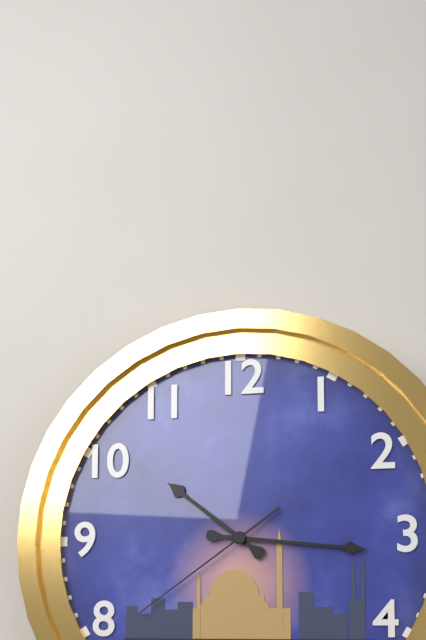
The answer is 10 h 16 min 39 s
